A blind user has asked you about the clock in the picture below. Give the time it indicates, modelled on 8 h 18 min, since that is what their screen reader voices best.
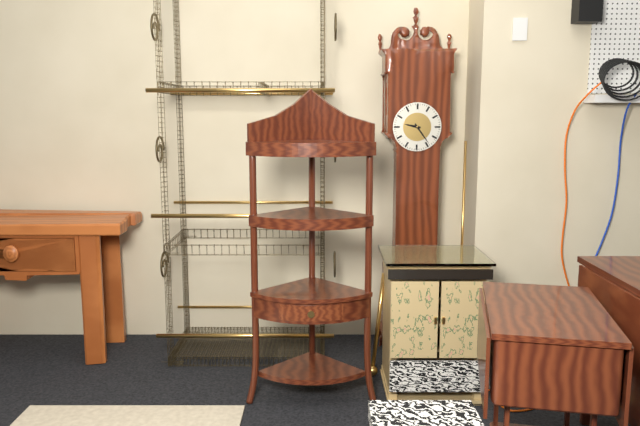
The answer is 9 h 24 min
